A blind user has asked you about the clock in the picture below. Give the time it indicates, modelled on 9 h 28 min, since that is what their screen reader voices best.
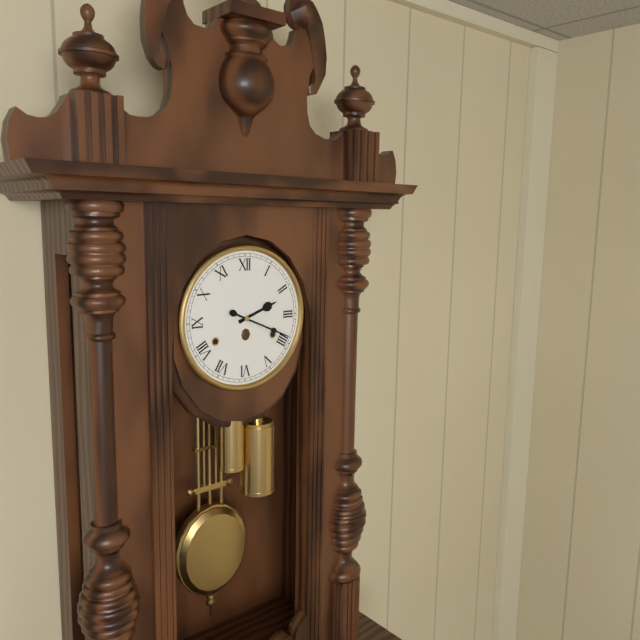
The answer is 2 h 19 min
